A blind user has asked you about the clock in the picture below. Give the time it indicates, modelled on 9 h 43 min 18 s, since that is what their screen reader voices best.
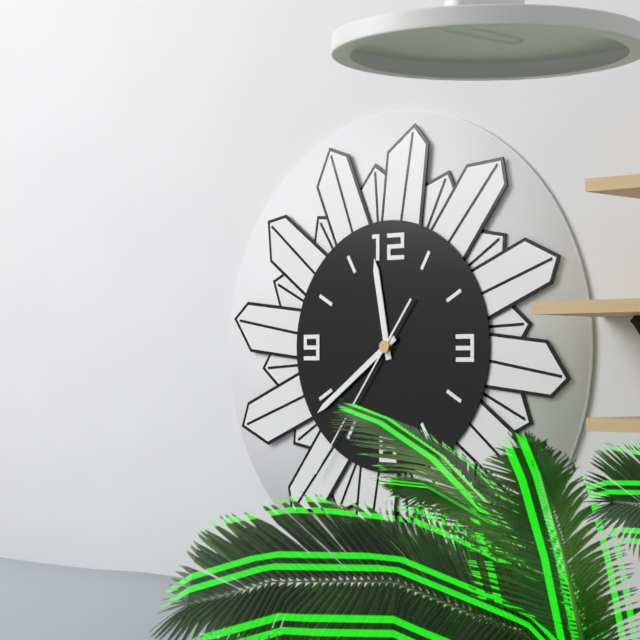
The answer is 11 h 39 min 36 s
